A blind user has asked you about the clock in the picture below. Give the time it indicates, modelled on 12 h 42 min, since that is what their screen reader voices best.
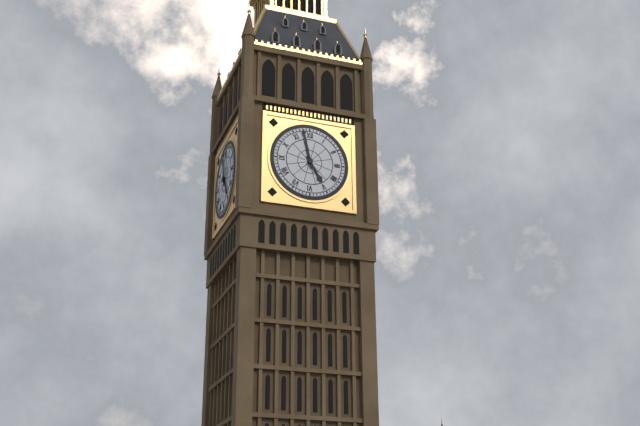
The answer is 4 h 58 min
